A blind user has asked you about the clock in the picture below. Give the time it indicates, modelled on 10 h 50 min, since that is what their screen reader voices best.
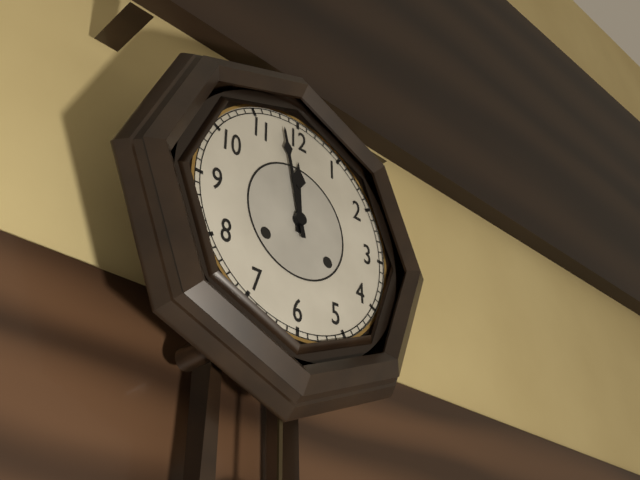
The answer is 11 h 58 min
